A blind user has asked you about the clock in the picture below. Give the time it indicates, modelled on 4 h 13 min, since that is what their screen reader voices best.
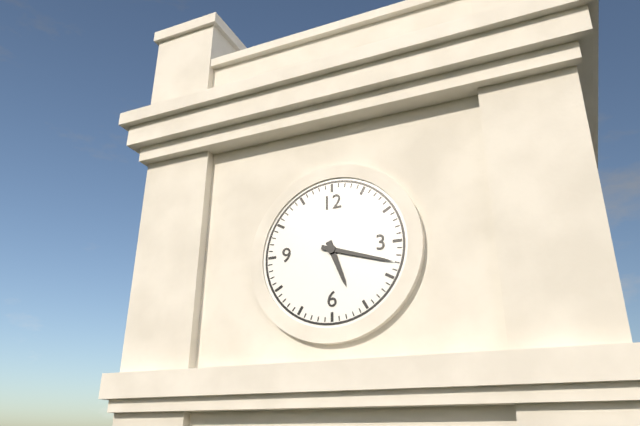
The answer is 5 h 18 min
